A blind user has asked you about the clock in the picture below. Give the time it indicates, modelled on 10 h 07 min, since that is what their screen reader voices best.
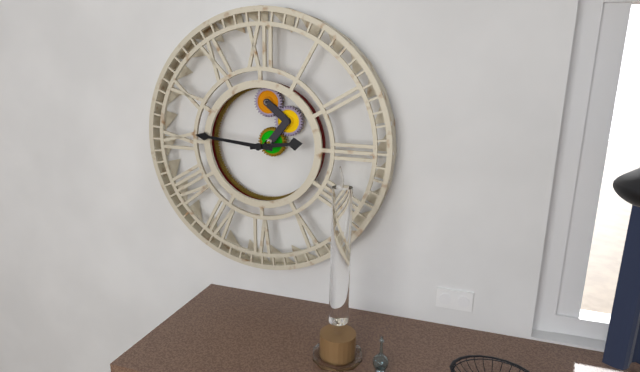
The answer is 2 h 46 min
